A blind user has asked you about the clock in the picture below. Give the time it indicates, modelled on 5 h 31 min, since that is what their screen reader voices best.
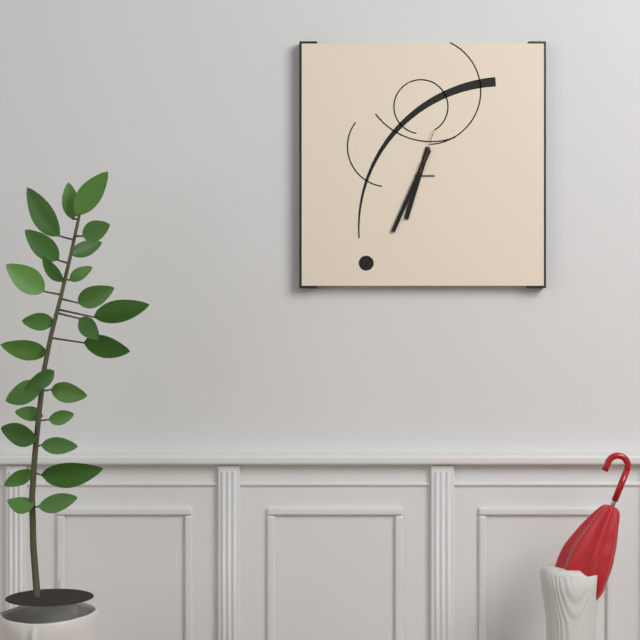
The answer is 6 h 34 min
